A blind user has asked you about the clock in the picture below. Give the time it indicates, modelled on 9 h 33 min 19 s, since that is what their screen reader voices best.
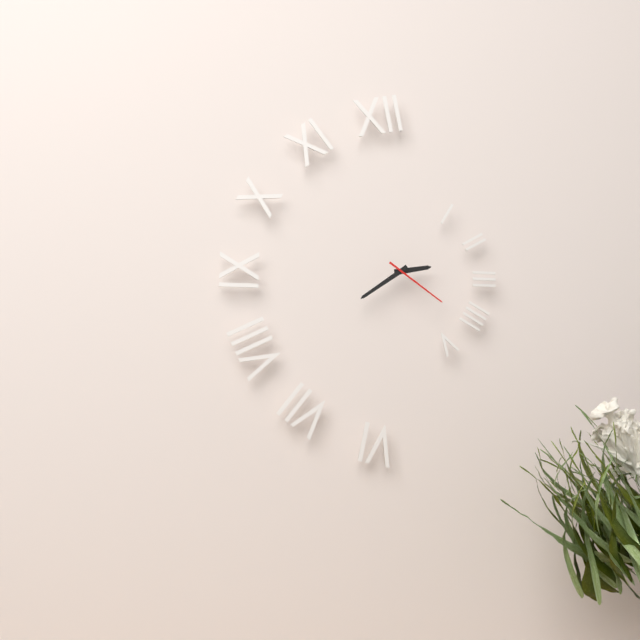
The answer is 2 h 39 min 21 s
